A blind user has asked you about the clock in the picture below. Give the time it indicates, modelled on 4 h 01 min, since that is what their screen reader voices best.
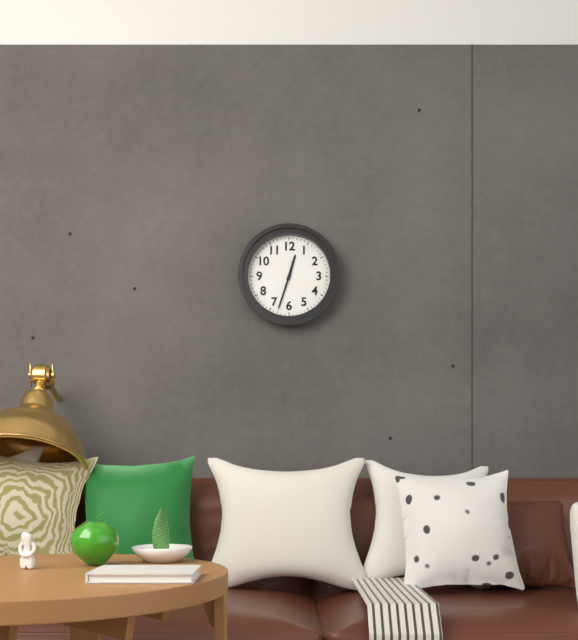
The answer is 12 h 33 min
